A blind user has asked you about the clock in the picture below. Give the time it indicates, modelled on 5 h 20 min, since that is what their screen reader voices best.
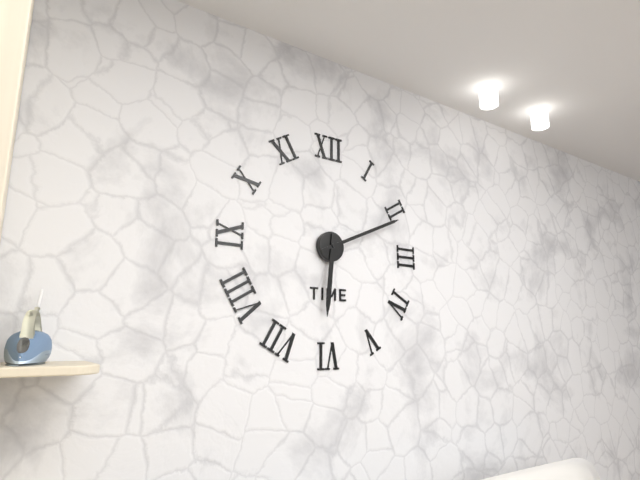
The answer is 6 h 11 min
